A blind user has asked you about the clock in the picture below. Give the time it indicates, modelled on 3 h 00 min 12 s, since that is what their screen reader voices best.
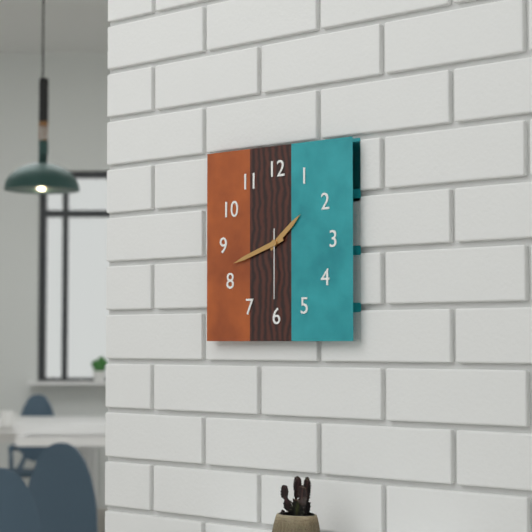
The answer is 1 h 42 min 30 s
